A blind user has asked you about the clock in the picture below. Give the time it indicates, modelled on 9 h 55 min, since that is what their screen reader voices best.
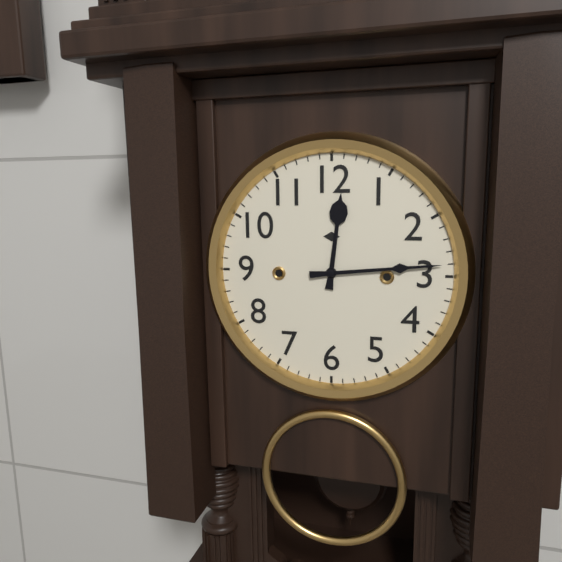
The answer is 12 h 14 min
